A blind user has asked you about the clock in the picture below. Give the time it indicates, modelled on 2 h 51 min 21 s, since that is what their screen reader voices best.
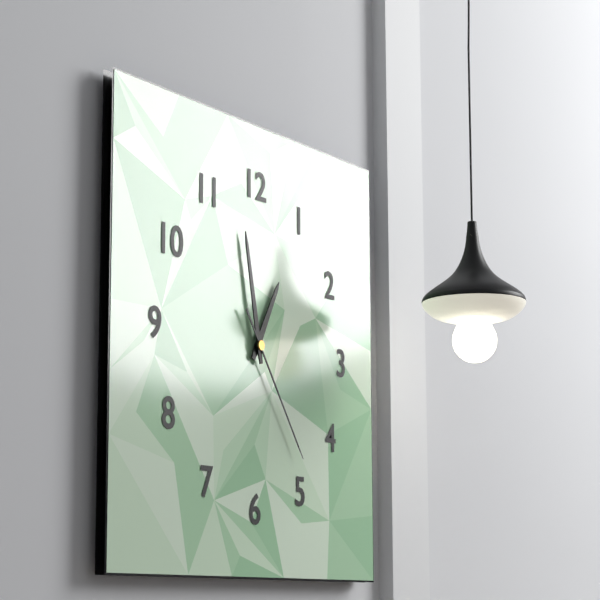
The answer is 12 h 58 min 24 s
